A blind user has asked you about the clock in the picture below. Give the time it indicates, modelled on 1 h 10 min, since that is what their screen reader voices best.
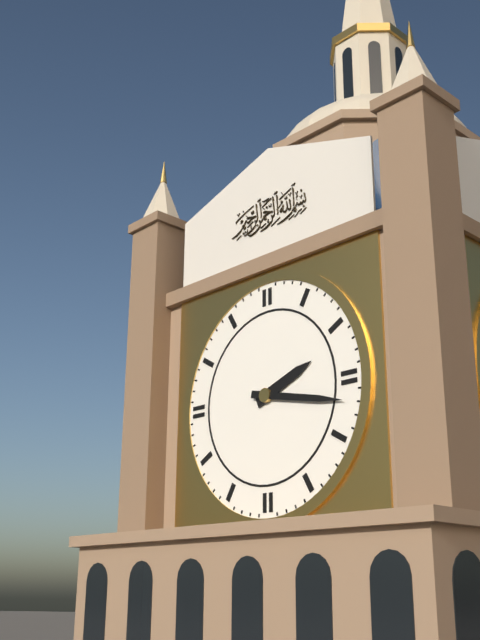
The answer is 2 h 17 min
